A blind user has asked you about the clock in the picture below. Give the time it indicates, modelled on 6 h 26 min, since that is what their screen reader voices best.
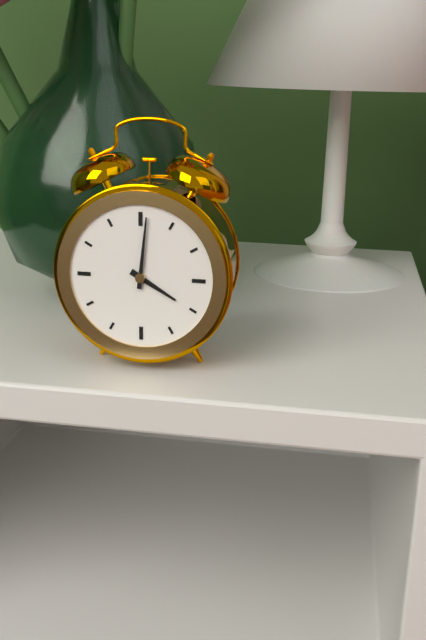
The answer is 4 h 01 min
